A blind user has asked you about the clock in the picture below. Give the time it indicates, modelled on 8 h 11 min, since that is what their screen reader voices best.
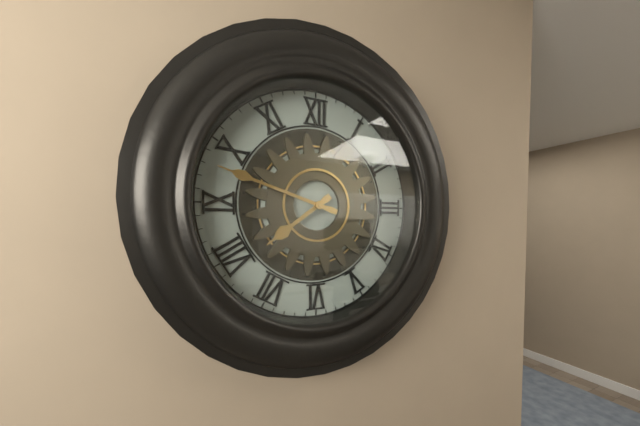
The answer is 7 h 48 min
